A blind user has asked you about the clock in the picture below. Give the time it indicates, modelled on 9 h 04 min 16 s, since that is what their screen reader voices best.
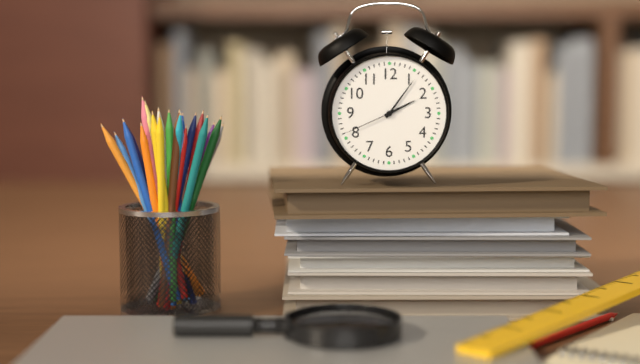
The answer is 2 h 06 min 41 s
